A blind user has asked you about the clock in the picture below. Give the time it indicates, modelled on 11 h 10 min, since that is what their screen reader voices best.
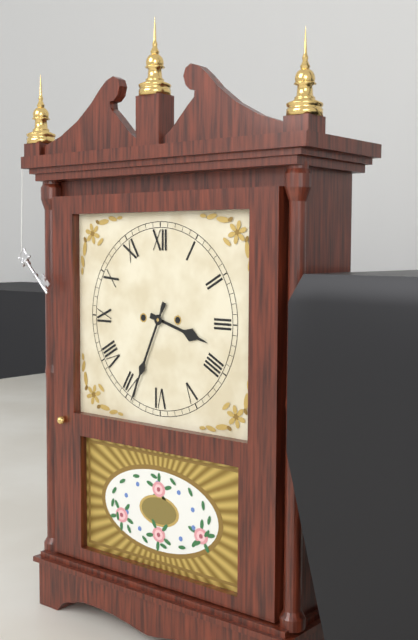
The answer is 3 h 34 min
